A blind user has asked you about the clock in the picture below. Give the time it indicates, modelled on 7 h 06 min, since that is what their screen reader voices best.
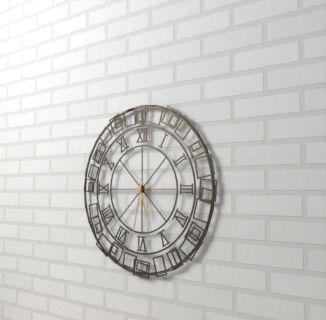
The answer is 5 h 32 min
